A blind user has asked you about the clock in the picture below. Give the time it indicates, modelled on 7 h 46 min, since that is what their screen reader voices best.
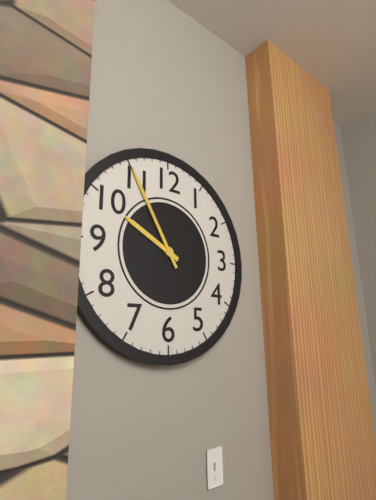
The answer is 9 h 55 min
